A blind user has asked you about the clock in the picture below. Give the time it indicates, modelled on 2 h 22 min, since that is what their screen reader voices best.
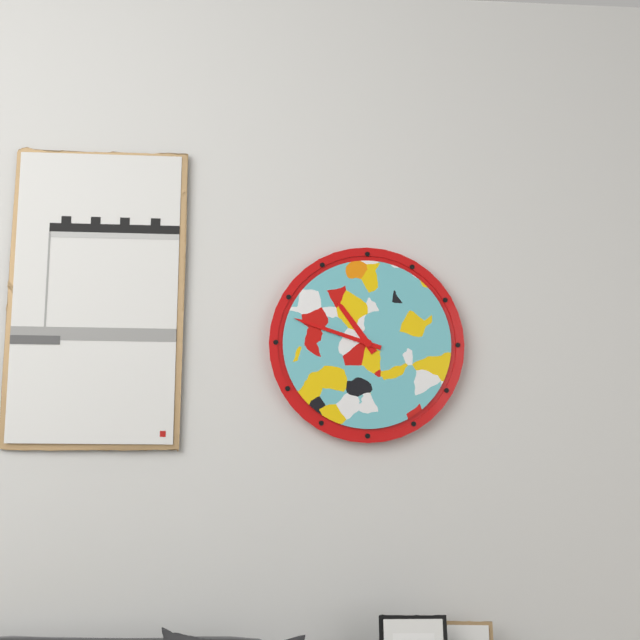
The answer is 10 h 48 min
